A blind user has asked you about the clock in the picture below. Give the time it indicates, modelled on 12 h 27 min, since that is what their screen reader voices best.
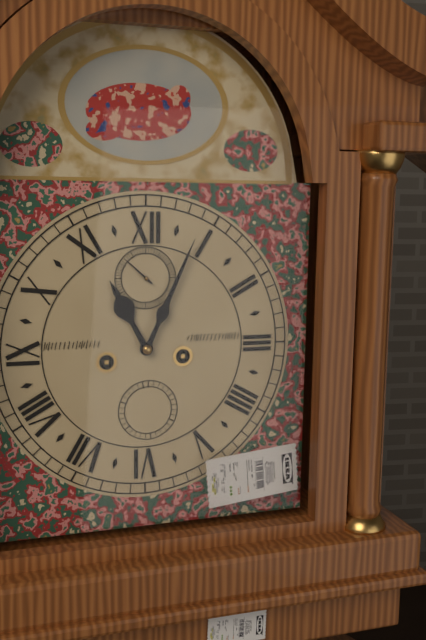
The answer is 11 h 04 min
